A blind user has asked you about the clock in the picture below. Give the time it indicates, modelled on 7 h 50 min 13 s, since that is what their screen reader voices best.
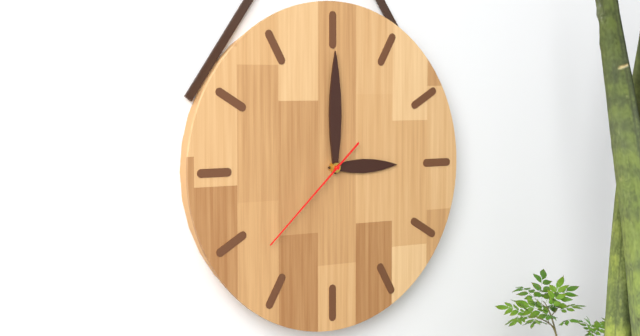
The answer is 3 h 00 min 38 s
